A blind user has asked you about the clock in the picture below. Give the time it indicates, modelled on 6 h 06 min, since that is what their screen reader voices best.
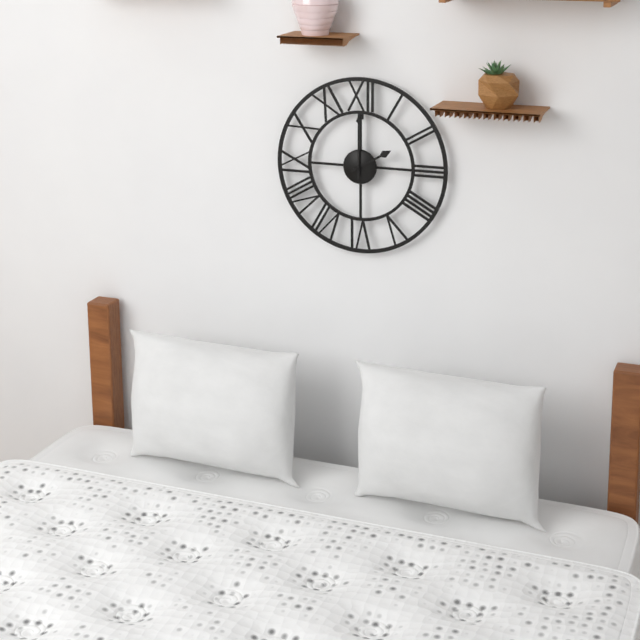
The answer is 2 h 00 min
